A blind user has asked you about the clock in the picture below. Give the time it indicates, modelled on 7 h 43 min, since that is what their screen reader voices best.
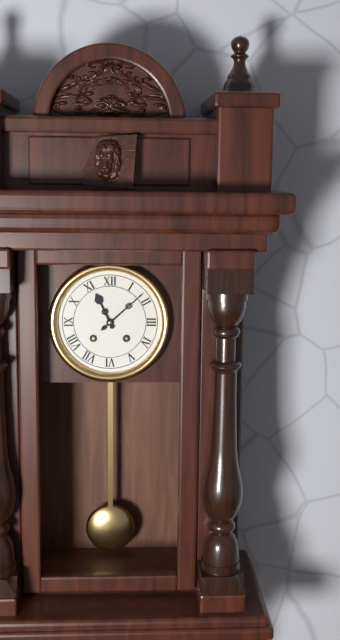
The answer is 11 h 08 min
